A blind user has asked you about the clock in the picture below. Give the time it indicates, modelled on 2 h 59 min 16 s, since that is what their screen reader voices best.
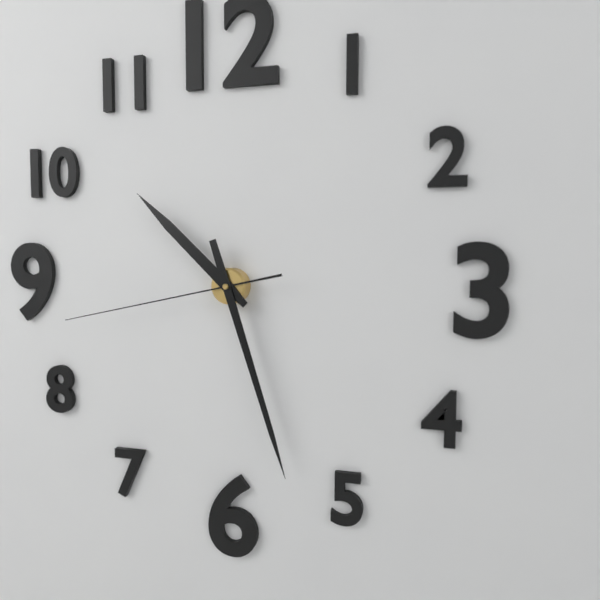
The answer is 10 h 27 min 43 s
